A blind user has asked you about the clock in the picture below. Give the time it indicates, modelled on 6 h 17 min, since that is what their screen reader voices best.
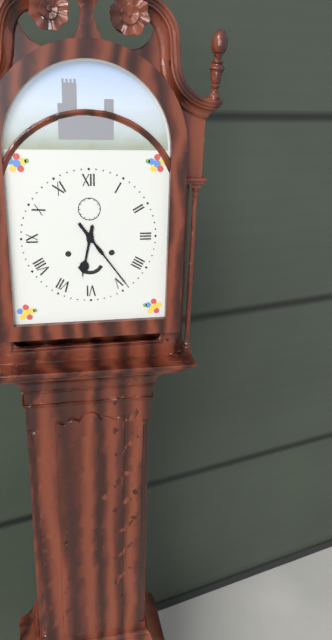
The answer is 6 h 24 min
